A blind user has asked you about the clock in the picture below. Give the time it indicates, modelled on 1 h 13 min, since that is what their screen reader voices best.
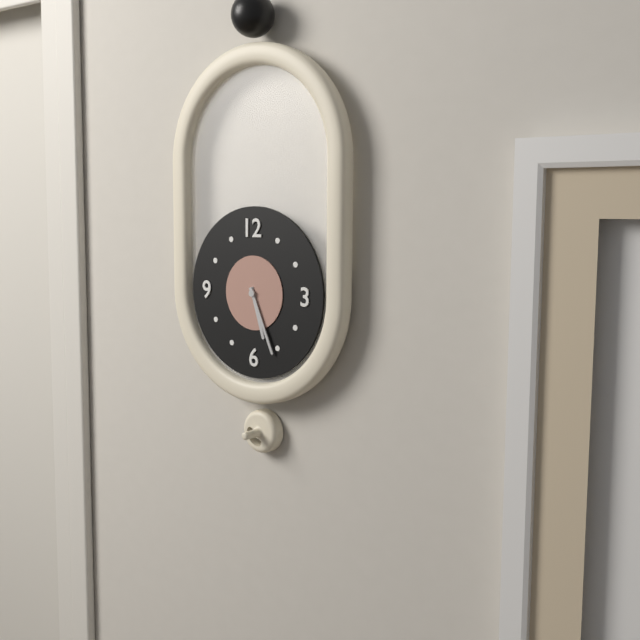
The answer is 5 h 26 min
